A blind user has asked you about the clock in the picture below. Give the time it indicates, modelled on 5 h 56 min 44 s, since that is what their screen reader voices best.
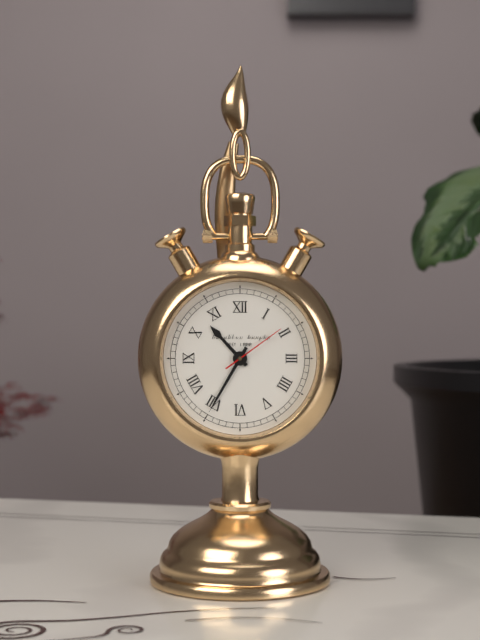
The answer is 10 h 35 min 09 s
